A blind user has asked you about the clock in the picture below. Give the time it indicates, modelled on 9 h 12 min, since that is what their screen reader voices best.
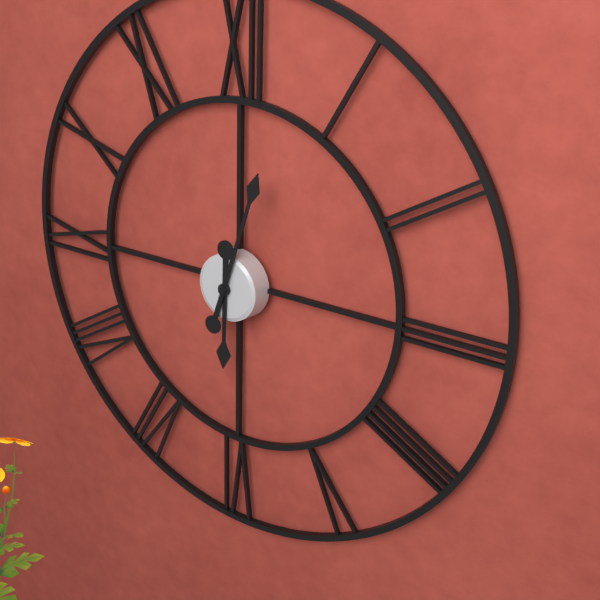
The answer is 6 h 03 min
